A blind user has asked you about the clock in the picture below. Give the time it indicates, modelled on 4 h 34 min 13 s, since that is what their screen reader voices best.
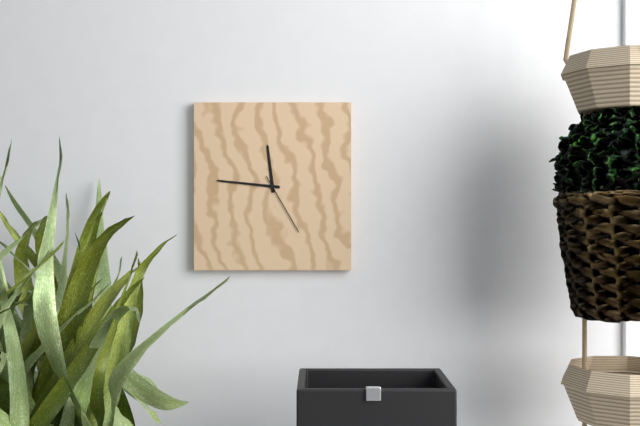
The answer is 11 h 46 min 25 s
